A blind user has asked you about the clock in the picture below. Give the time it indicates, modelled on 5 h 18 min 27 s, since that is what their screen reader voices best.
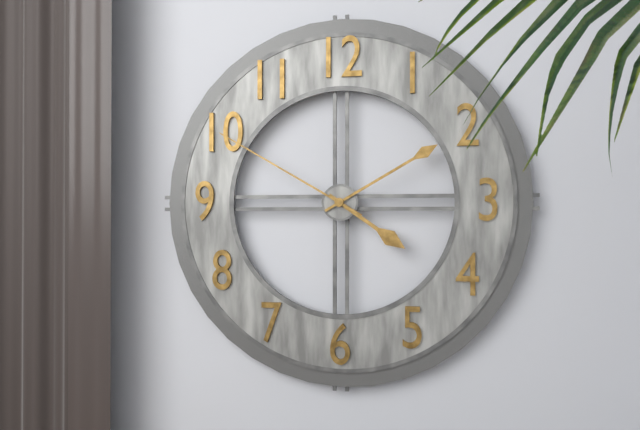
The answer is 4 h 10 min 50 s
